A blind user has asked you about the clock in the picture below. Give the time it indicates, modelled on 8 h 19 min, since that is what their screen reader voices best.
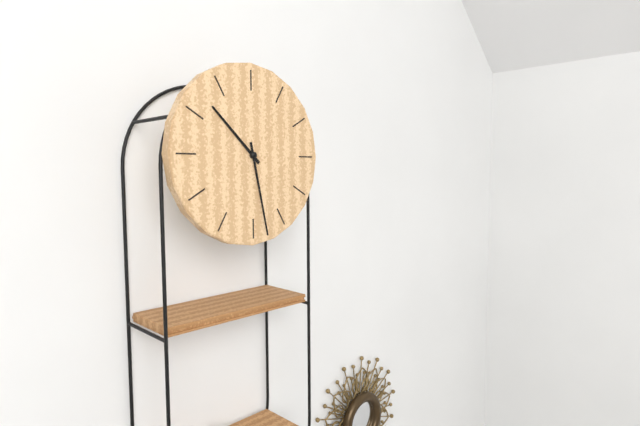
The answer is 10 h 28 min
